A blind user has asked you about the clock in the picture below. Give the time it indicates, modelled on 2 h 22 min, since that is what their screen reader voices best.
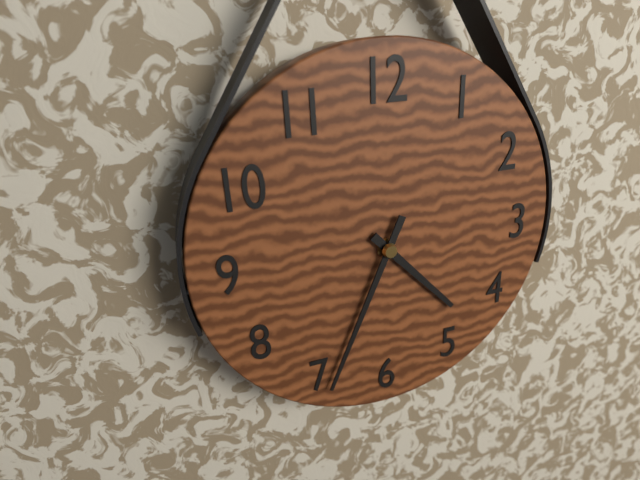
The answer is 4 h 34 min
